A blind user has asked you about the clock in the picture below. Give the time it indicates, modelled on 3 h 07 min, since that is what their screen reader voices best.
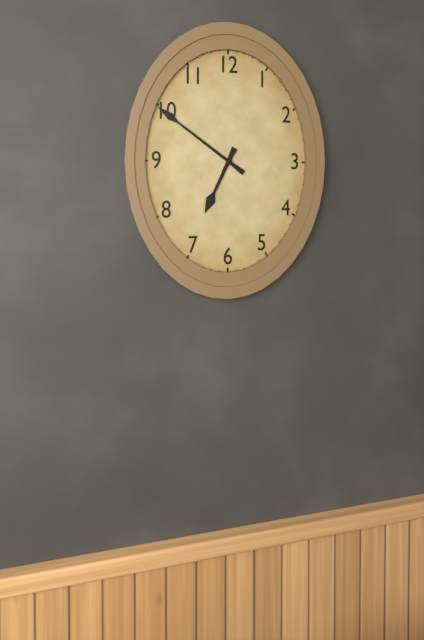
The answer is 6 h 51 min
